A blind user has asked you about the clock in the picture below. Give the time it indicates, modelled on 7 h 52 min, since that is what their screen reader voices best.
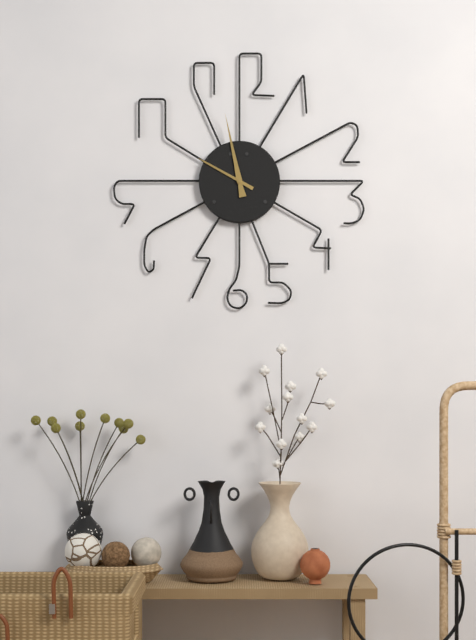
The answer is 9 h 58 min
